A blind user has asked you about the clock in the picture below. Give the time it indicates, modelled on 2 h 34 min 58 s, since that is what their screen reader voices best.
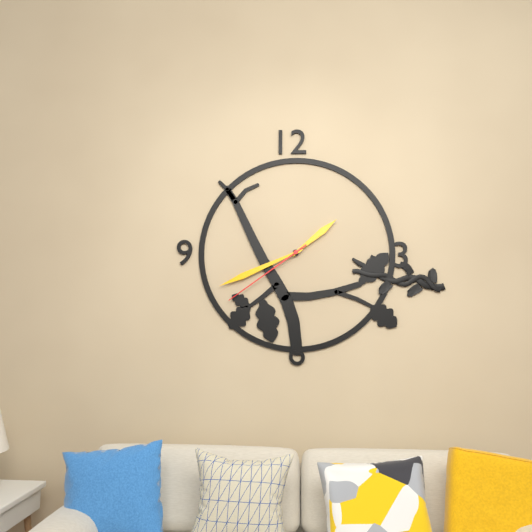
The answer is 1 h 41 min 39 s
